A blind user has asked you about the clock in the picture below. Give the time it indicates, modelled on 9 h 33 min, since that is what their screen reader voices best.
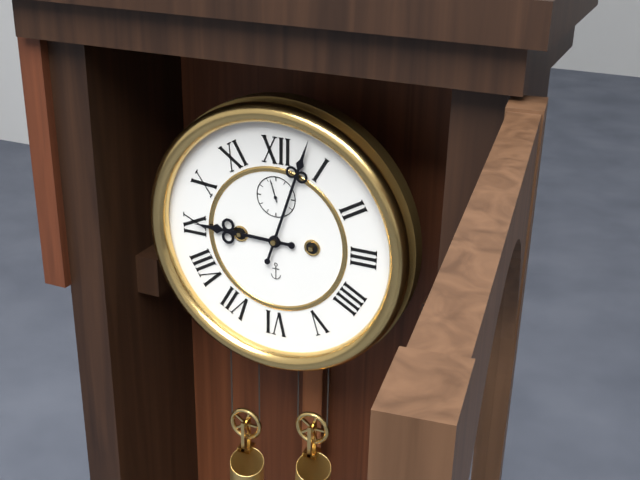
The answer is 9 h 03 min
